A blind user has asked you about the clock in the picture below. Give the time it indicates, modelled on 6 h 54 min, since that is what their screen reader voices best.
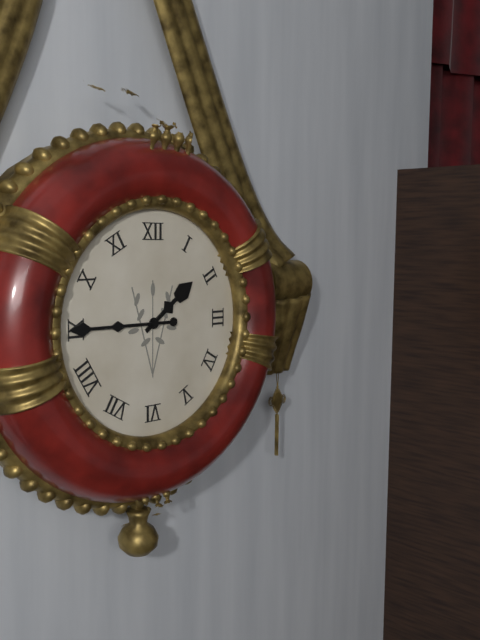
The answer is 1 h 45 min
